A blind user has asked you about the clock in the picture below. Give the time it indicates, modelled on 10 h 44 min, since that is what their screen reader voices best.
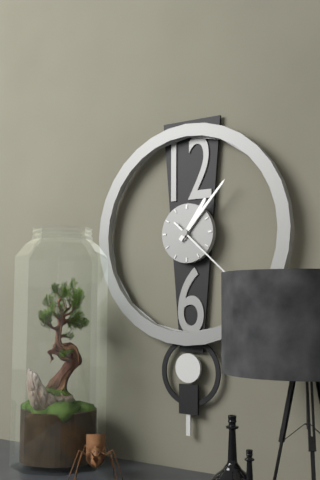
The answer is 1 h 07 min
